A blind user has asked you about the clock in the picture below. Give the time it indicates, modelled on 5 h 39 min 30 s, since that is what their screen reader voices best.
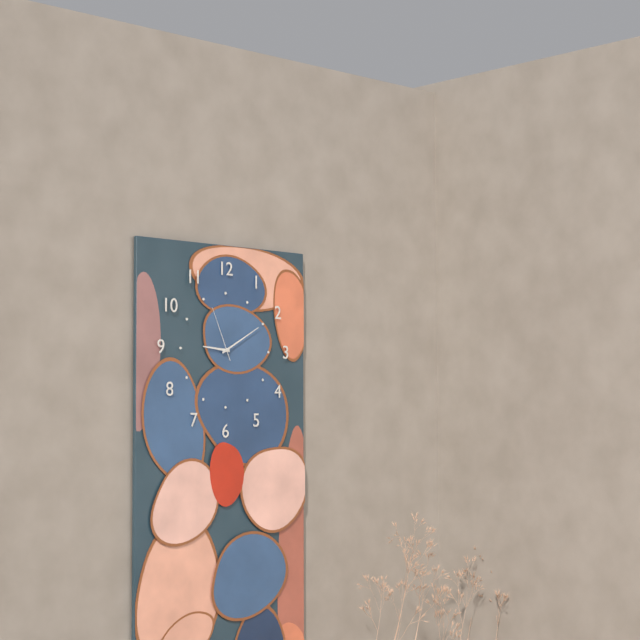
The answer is 9 h 10 min 56 s
